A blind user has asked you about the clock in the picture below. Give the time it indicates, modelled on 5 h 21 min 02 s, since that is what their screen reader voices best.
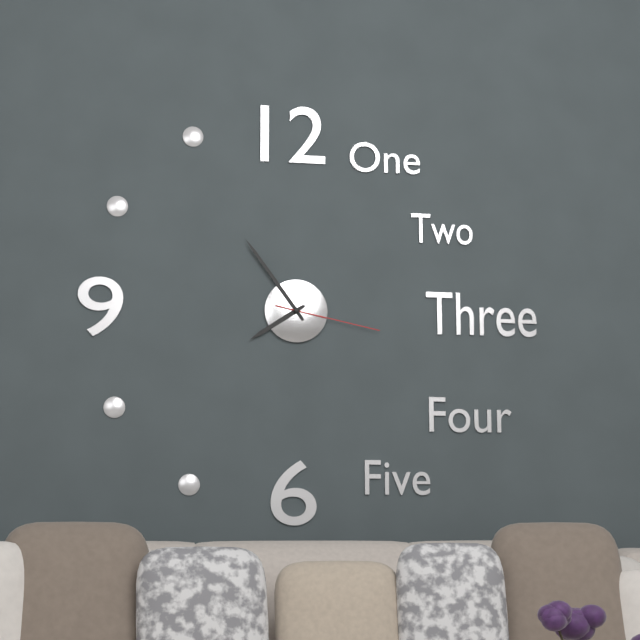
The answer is 7 h 54 min 17 s
